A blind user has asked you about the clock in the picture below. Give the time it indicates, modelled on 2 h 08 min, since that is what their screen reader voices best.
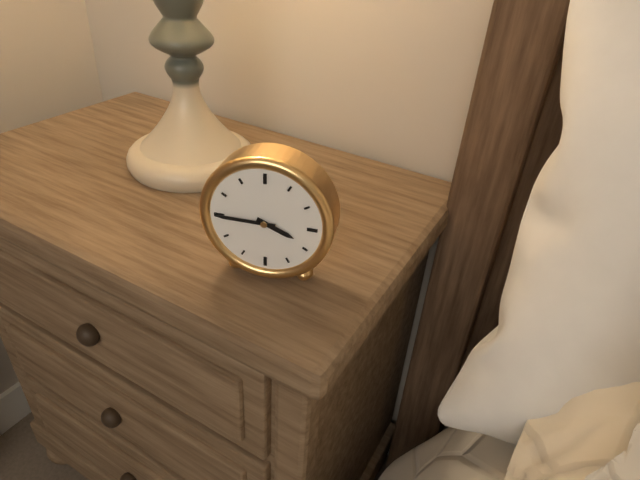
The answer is 3 h 45 min
